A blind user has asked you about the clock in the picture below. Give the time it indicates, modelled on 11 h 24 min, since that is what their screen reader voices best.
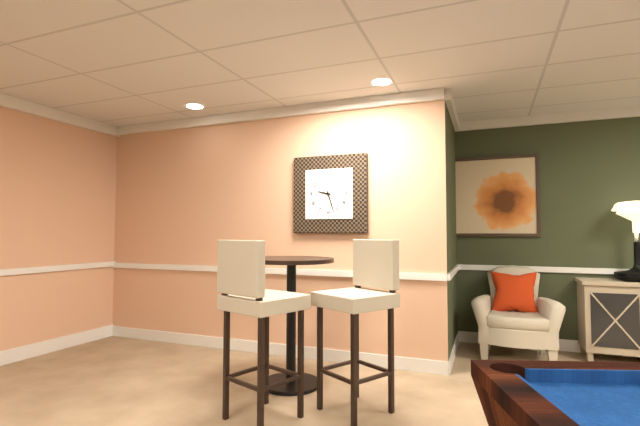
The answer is 9 h 27 min
